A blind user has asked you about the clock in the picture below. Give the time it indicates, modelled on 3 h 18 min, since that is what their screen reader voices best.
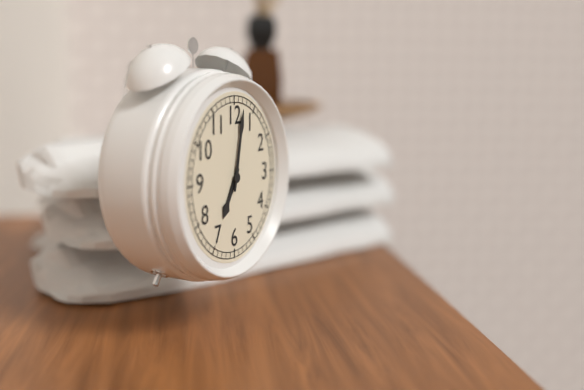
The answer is 7 h 02 min
